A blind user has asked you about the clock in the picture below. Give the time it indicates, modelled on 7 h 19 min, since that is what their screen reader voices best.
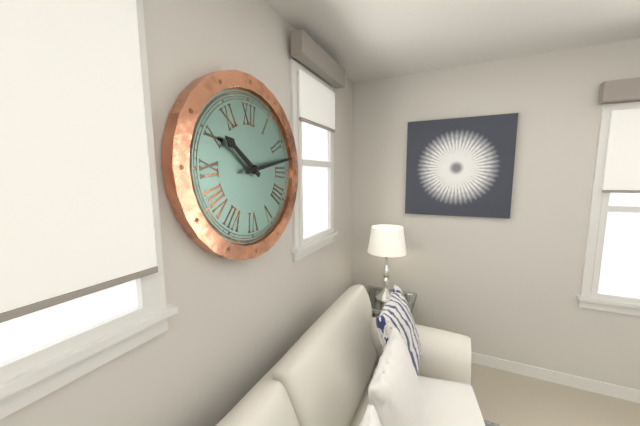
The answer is 10 h 13 min
